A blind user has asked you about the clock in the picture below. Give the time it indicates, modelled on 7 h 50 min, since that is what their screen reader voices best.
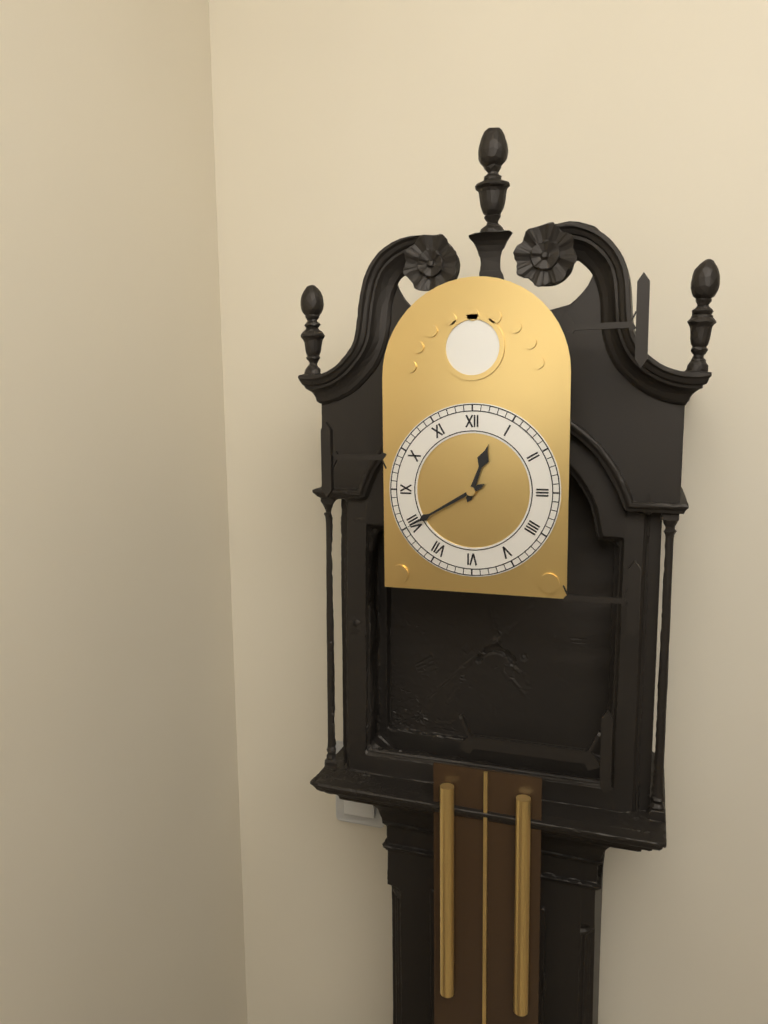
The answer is 12 h 40 min
